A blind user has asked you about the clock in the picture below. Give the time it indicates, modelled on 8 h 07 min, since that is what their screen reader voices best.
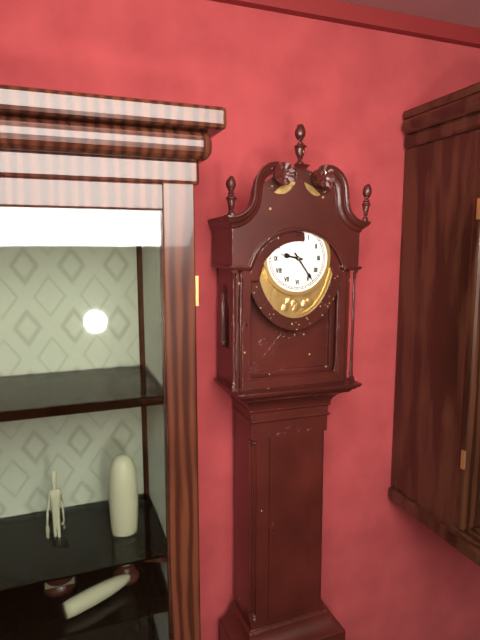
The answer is 9 h 24 min
